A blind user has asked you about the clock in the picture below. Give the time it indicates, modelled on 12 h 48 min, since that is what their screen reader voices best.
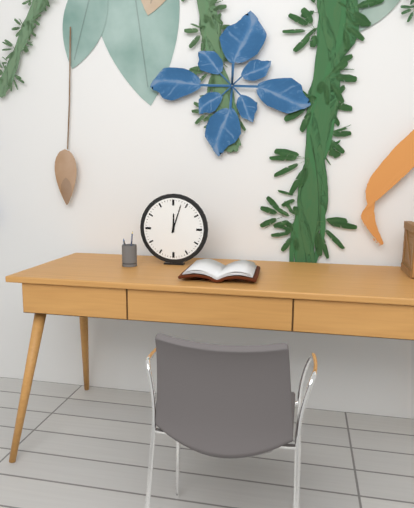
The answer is 12 h 03 min
